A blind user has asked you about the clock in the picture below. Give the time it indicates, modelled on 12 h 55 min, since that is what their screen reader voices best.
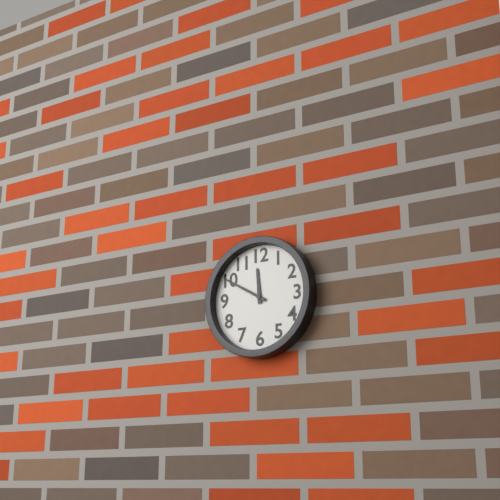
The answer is 11 h 50 min
